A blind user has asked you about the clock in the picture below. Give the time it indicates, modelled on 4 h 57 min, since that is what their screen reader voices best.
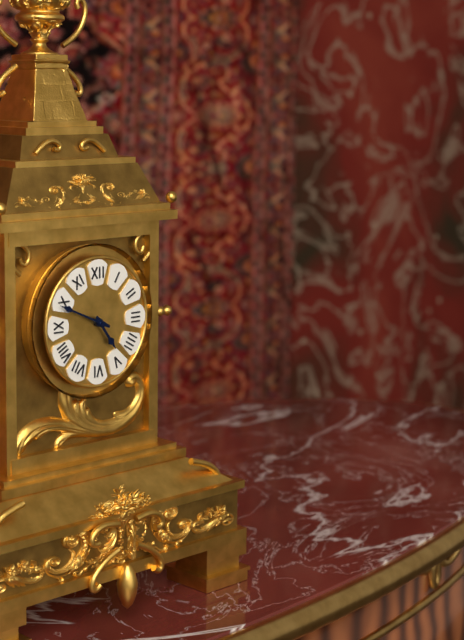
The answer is 4 h 49 min
